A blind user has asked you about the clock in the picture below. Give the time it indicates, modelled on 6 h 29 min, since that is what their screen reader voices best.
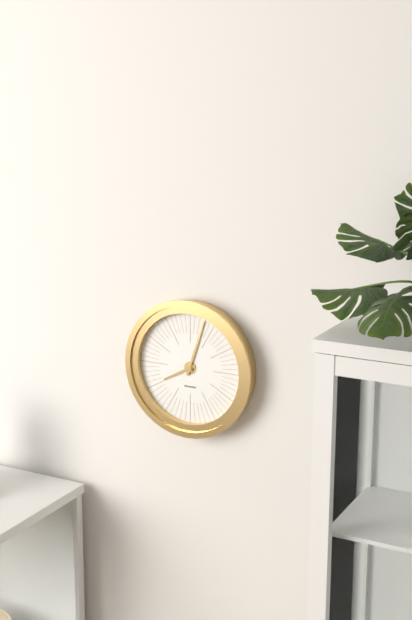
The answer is 8 h 03 min
